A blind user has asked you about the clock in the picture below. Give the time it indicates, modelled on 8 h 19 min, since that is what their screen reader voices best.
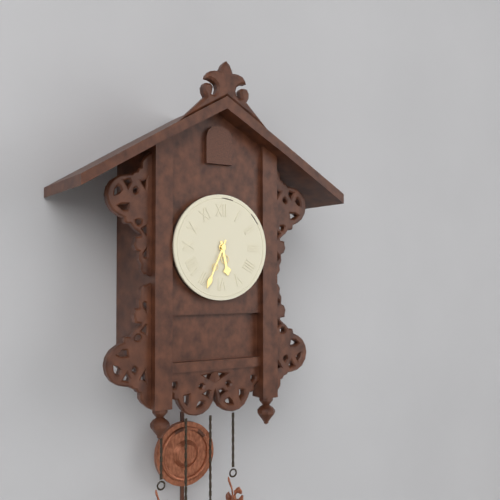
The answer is 5 h 34 min
